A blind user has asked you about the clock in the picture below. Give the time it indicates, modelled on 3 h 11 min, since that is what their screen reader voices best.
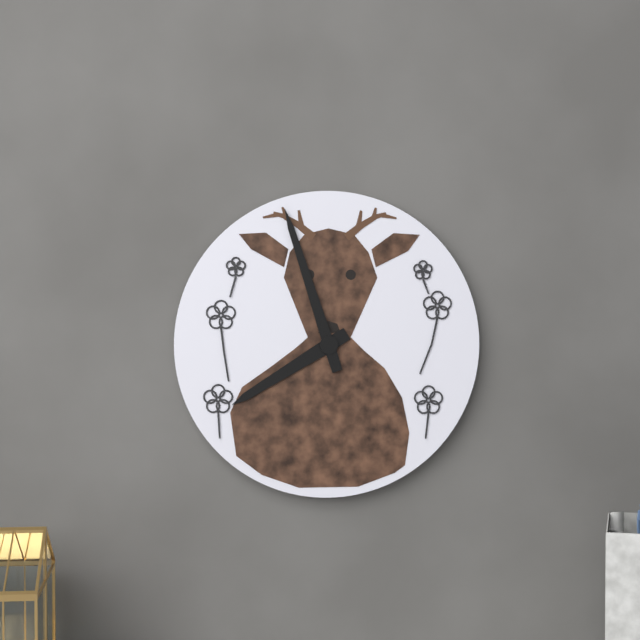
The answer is 7 h 57 min
